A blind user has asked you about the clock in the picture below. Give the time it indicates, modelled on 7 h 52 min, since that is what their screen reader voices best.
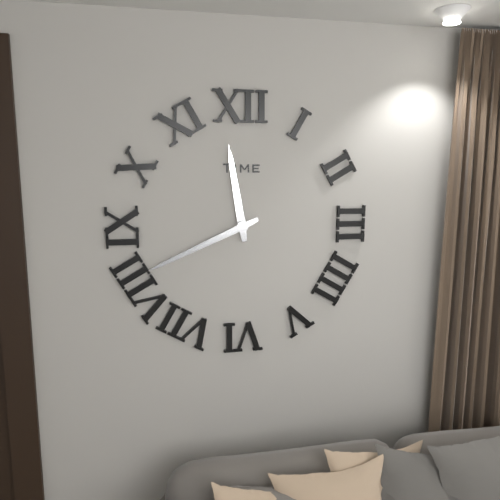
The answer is 11 h 41 min
